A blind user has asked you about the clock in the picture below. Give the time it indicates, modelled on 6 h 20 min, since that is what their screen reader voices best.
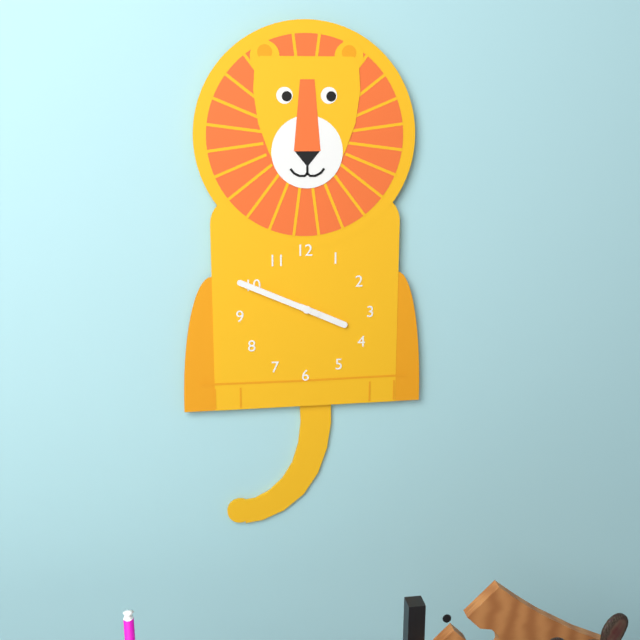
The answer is 3 h 49 min
